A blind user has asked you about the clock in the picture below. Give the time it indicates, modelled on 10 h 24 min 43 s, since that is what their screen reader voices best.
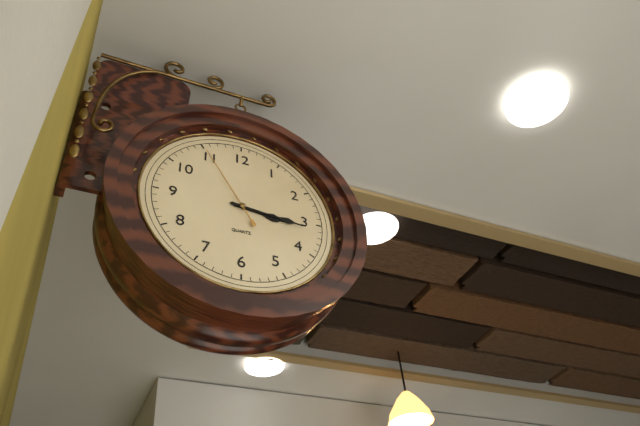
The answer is 3 h 16 min 55 s
